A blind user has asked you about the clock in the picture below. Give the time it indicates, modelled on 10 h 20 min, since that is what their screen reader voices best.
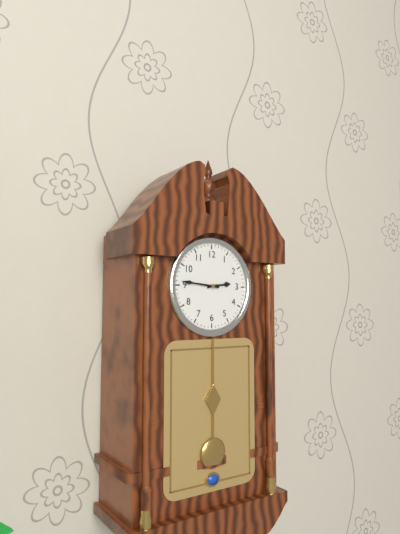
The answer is 2 h 46 min
